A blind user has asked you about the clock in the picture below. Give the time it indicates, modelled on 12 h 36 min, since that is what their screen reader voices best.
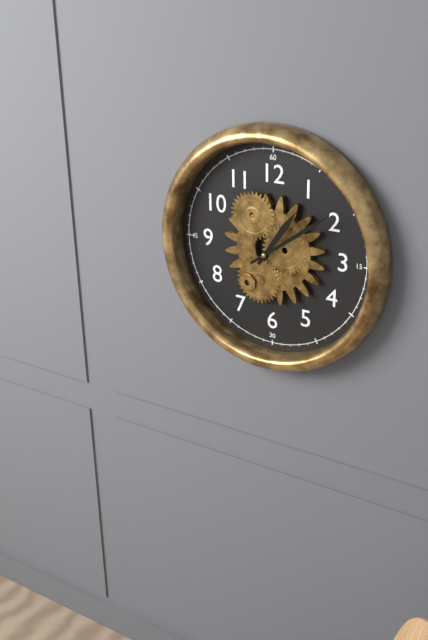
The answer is 1 h 09 min
